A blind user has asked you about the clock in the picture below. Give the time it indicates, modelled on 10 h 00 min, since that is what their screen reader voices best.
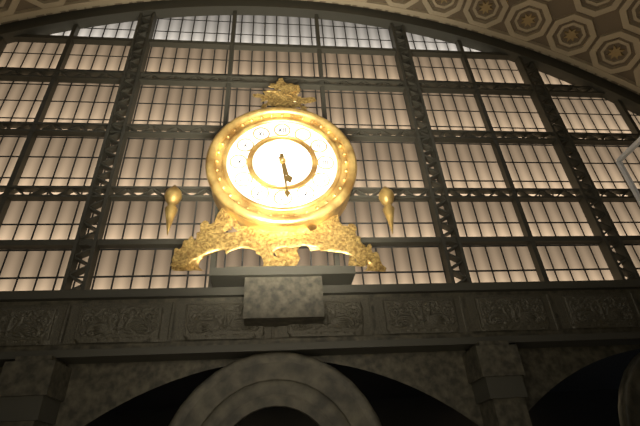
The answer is 5 h 29 min
